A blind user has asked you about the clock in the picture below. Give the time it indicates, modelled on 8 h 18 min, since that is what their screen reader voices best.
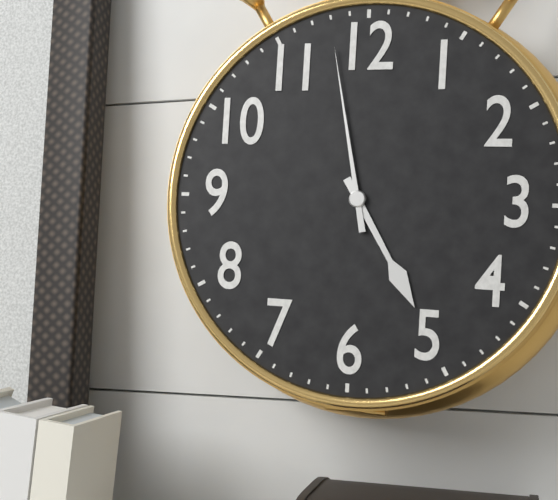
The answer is 4 h 58 min
